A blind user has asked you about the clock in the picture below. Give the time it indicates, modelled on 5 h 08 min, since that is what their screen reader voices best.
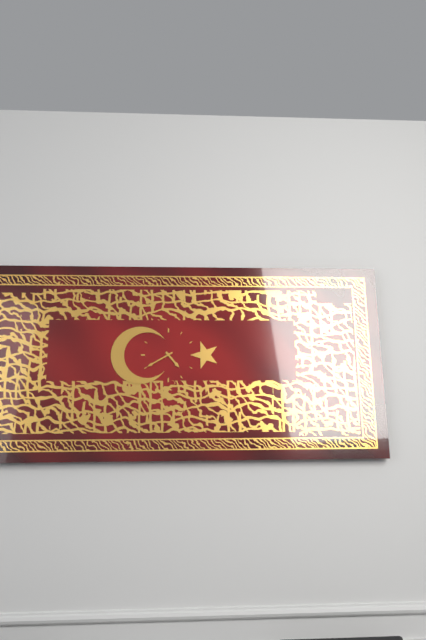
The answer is 4 h 40 min
